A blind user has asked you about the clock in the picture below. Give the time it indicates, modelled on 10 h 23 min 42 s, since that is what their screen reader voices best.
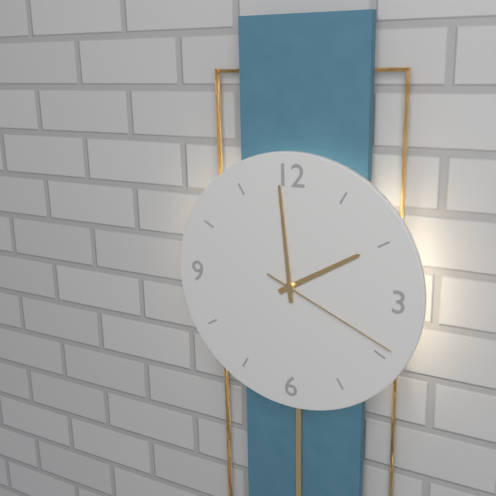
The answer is 1 h 59 min 19 s
